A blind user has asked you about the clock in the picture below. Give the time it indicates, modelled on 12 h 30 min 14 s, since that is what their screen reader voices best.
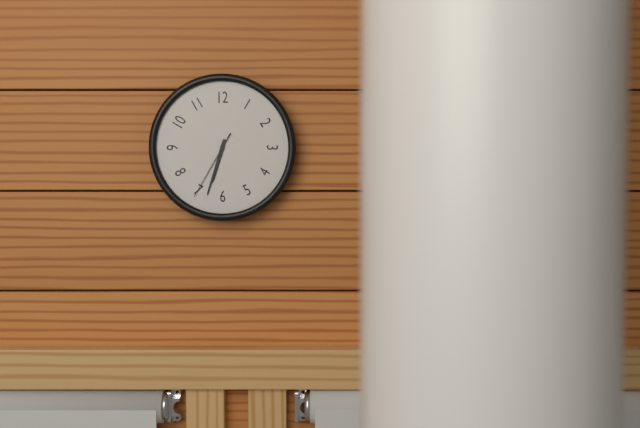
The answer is 6 h 33 min 35 s
